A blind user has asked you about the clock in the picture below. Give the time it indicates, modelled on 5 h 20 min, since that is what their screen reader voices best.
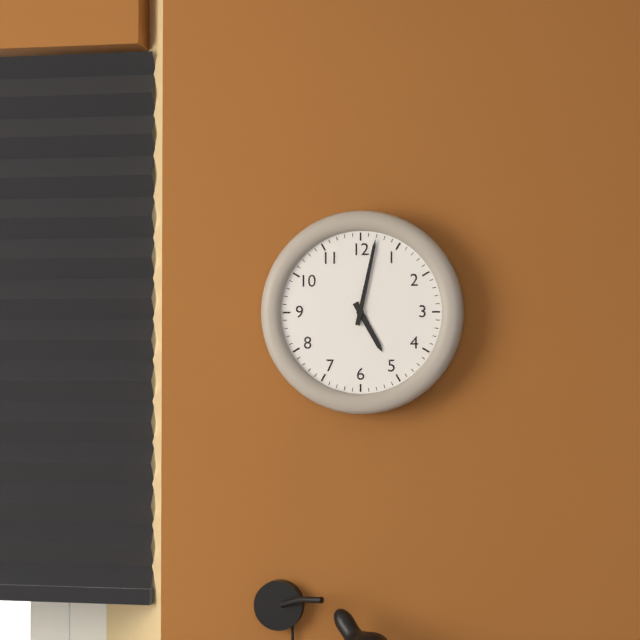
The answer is 5 h 02 min
